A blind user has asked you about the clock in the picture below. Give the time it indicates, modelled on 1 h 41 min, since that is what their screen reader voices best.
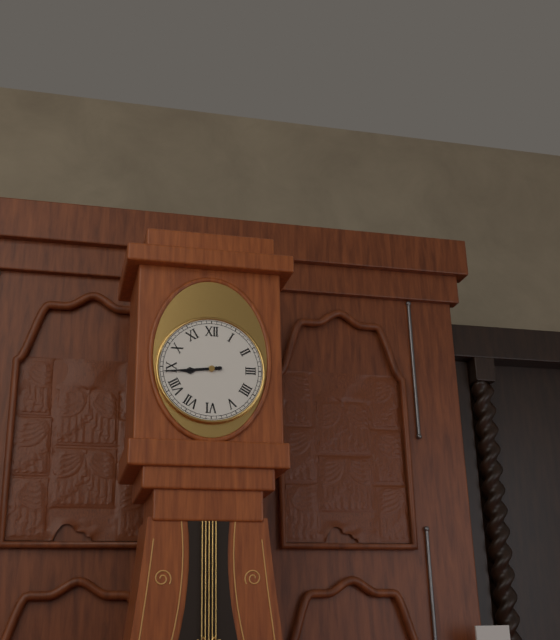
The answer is 8 h 44 min
